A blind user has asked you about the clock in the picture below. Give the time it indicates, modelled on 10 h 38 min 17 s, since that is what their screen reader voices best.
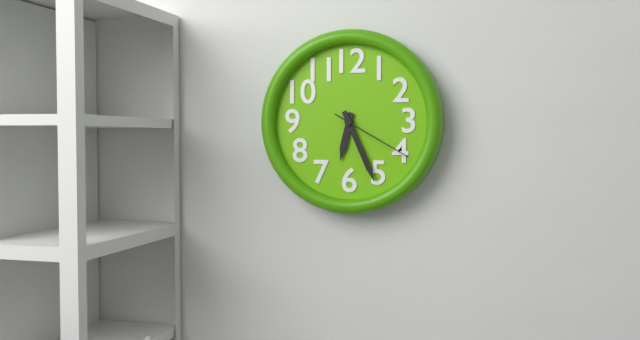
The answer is 6 h 26 min 20 s
